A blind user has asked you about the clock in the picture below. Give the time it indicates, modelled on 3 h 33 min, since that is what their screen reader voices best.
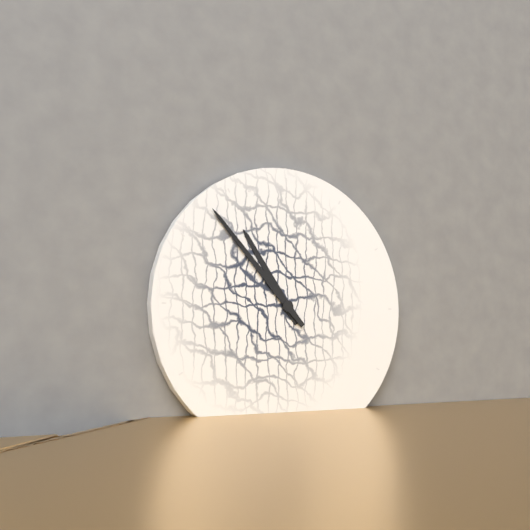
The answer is 10 h 53 min
